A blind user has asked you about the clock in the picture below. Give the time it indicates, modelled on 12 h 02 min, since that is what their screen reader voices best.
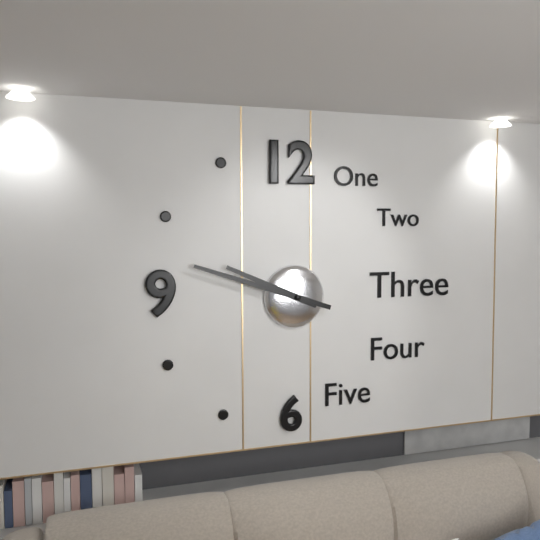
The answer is 9 h 48 min
